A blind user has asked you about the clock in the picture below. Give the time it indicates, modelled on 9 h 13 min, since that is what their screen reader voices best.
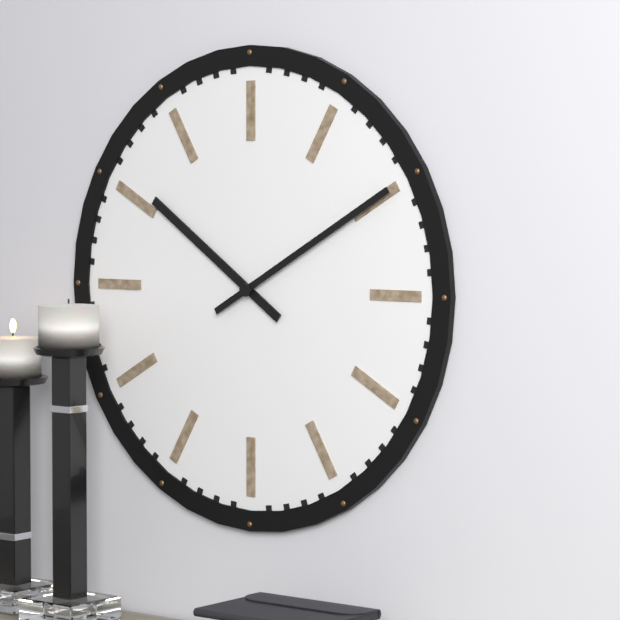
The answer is 10 h 10 min
